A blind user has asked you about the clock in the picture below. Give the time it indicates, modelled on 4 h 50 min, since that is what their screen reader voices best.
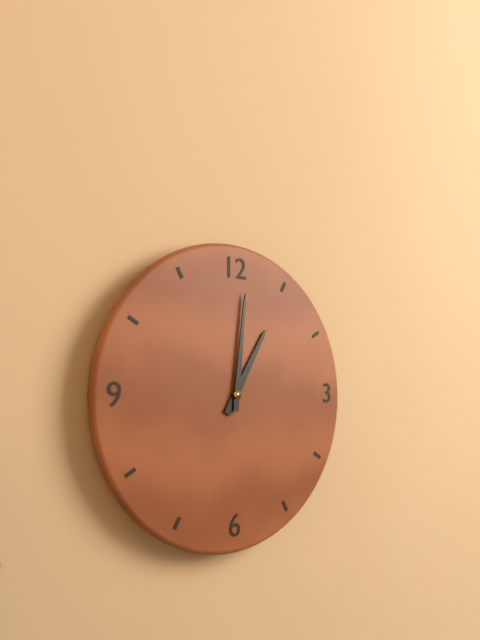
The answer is 1 h 01 min
